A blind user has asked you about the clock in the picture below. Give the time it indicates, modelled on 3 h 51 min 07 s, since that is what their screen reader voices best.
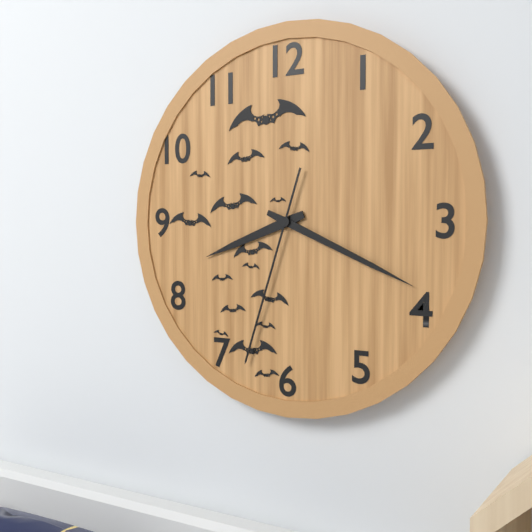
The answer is 8 h 19 min 33 s
